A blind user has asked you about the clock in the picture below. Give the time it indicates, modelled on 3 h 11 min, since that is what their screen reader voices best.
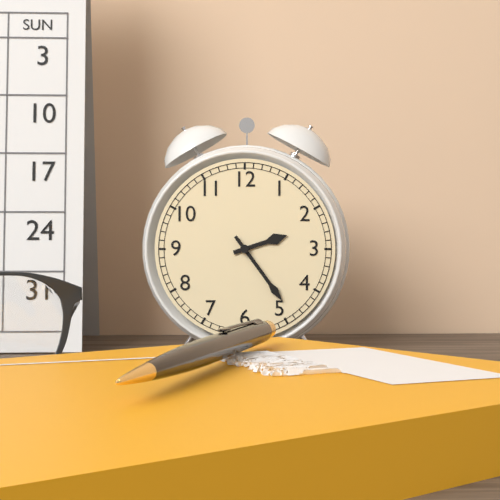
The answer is 2 h 24 min
